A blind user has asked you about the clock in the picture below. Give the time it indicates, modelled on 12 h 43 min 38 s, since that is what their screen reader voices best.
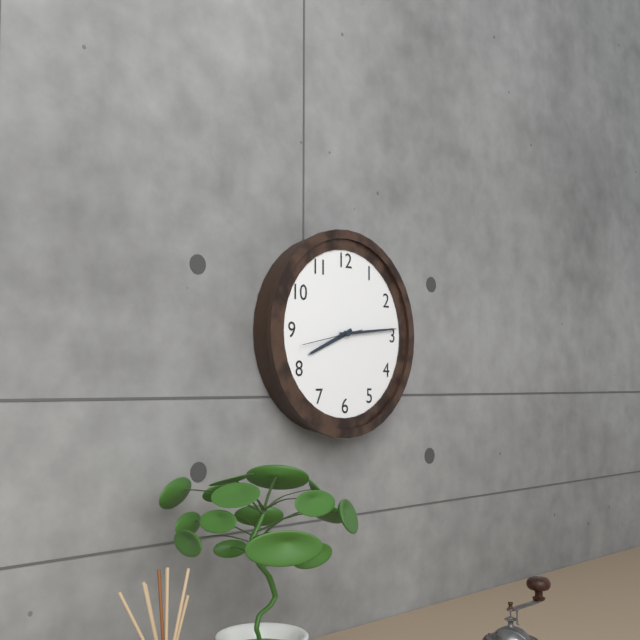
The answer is 8 h 14 min 43 s
